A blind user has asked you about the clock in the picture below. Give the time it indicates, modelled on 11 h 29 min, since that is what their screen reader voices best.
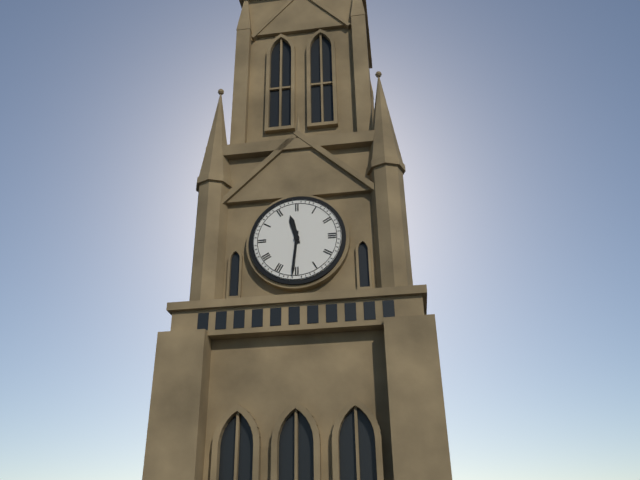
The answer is 11 h 31 min
